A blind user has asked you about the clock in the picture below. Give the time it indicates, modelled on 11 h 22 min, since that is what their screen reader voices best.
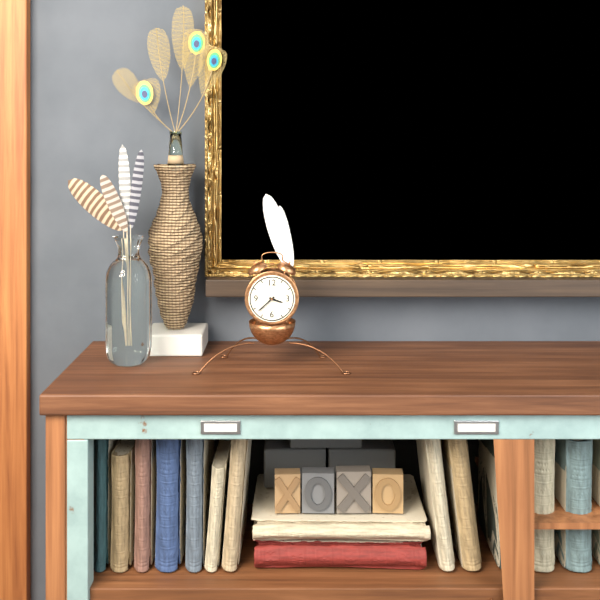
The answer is 3 h 38 min
